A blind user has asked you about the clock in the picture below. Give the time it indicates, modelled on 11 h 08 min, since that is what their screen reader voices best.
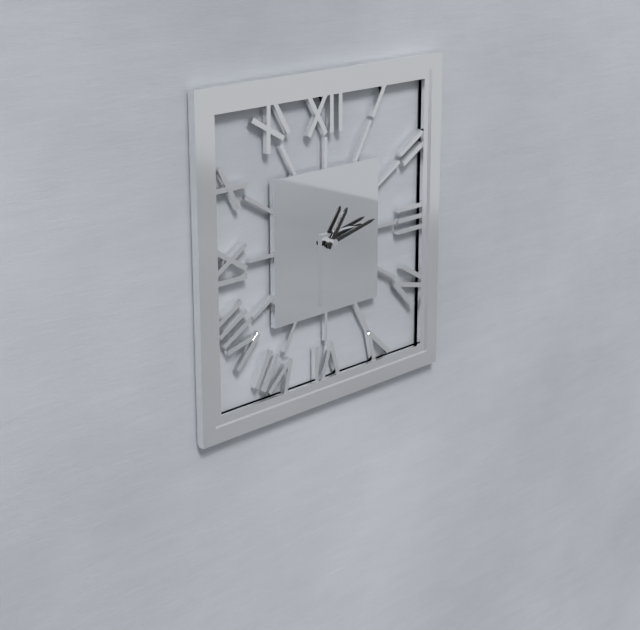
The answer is 1 h 13 min
